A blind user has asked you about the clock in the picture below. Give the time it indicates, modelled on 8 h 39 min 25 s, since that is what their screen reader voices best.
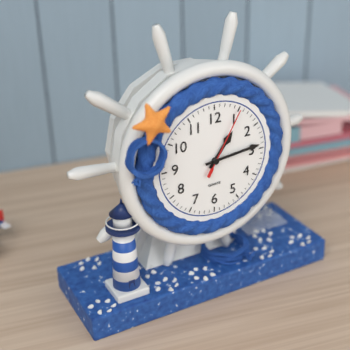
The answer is 1 h 14 min 05 s
